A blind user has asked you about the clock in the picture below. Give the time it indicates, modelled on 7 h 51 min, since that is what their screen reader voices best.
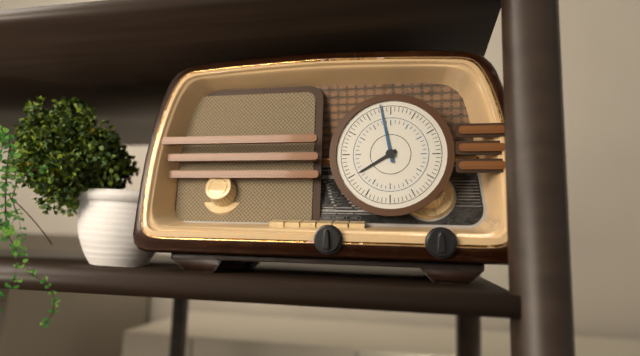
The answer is 7 h 58 min
